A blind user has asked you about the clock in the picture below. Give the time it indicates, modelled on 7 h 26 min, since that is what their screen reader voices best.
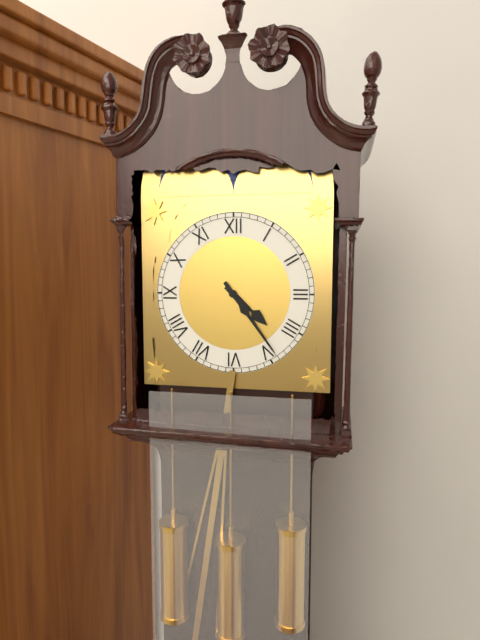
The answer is 4 h 24 min
